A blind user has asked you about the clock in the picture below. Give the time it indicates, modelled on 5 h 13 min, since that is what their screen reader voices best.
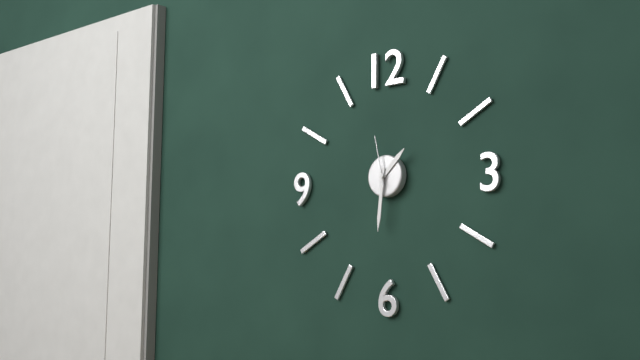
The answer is 1 h 31 min
